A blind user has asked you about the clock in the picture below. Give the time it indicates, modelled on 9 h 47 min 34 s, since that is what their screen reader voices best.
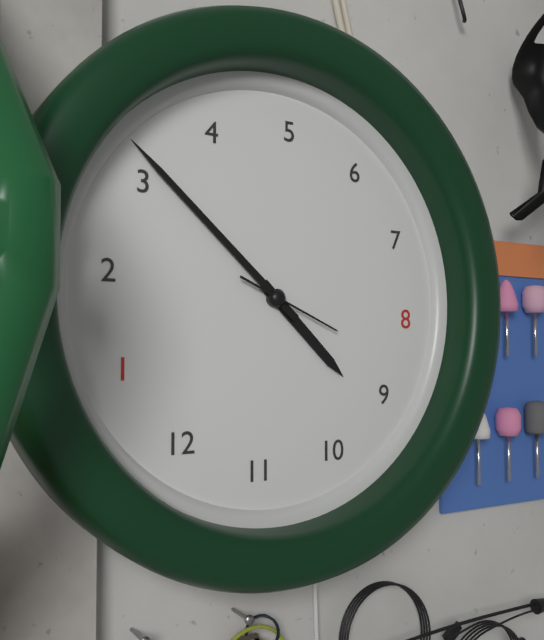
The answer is 9 h 16 min 43 s
